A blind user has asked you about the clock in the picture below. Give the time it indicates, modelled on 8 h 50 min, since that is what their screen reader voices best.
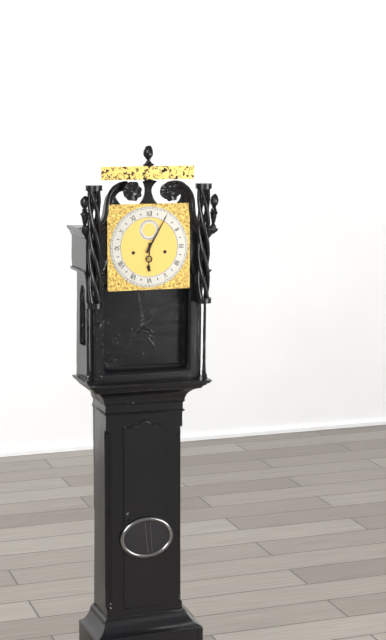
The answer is 6 h 05 min
